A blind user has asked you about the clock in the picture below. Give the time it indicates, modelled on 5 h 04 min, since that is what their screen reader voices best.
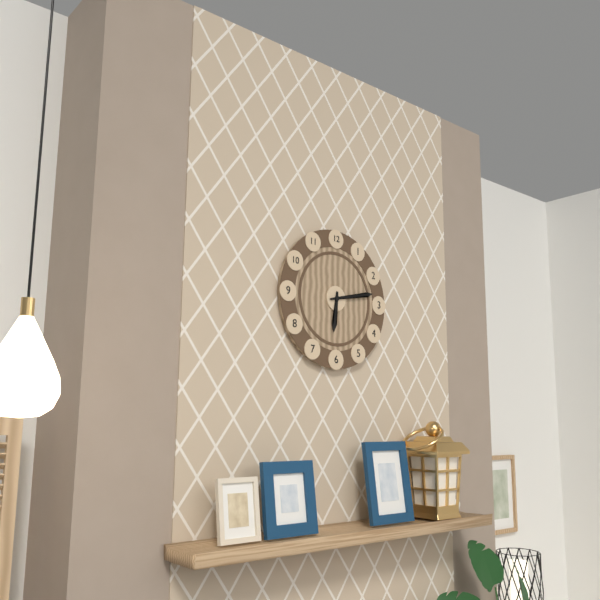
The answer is 6 h 13 min
